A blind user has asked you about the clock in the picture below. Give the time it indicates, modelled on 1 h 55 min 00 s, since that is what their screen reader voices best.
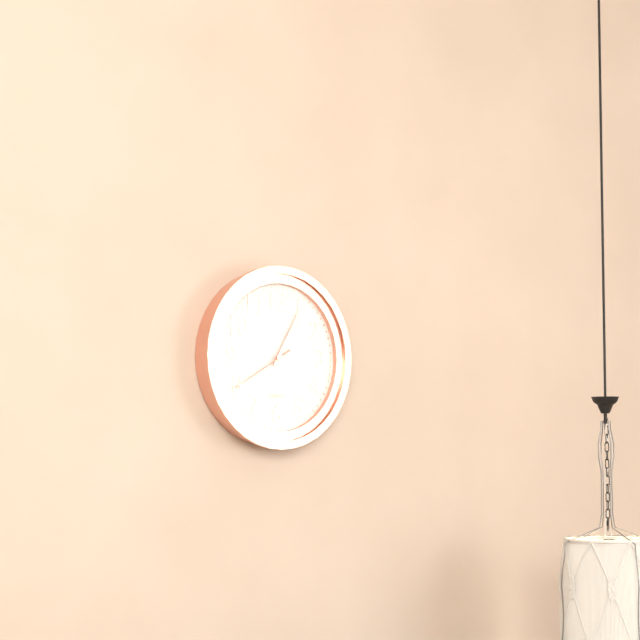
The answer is 1 h 05 min 40 s
